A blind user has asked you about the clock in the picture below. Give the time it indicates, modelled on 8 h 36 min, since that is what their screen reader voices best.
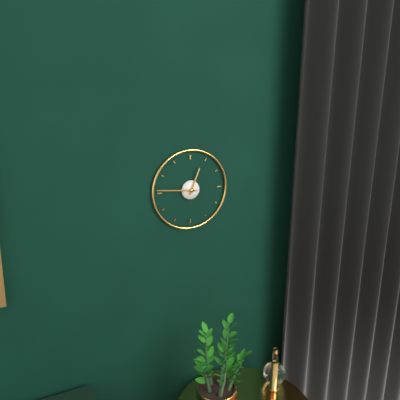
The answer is 12 h 46 min
